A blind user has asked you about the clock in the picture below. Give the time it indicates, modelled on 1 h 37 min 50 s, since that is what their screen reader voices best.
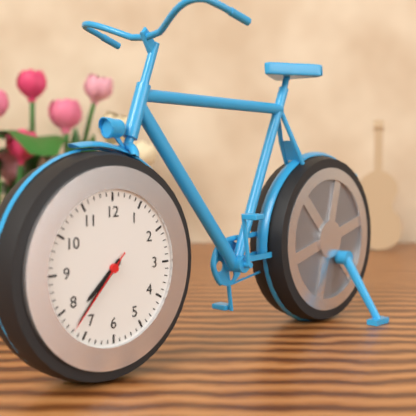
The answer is 7 h 37 min 37 s
